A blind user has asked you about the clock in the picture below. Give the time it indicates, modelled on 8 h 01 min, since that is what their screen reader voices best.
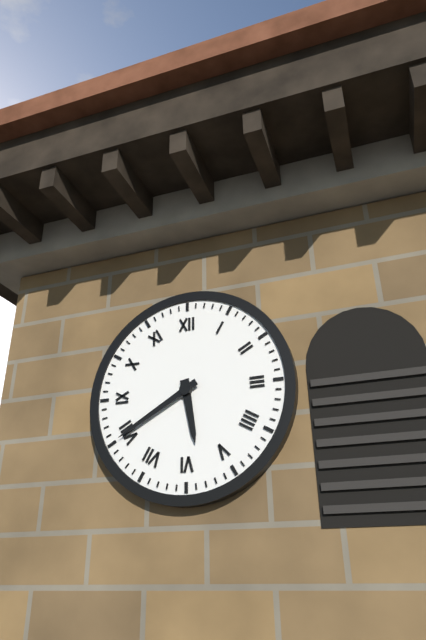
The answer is 5 h 40 min
